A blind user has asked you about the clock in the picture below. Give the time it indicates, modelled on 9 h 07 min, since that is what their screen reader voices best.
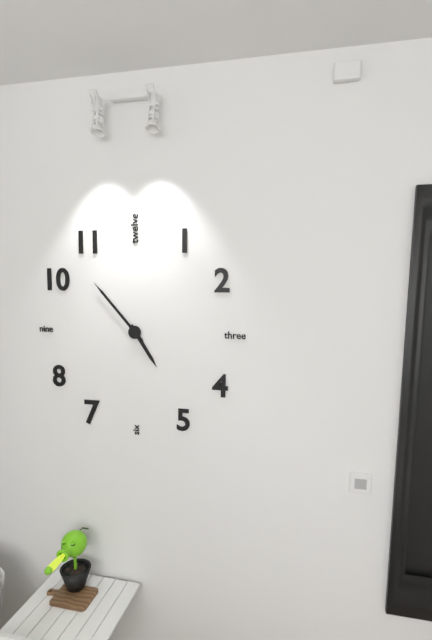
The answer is 4 h 53 min
